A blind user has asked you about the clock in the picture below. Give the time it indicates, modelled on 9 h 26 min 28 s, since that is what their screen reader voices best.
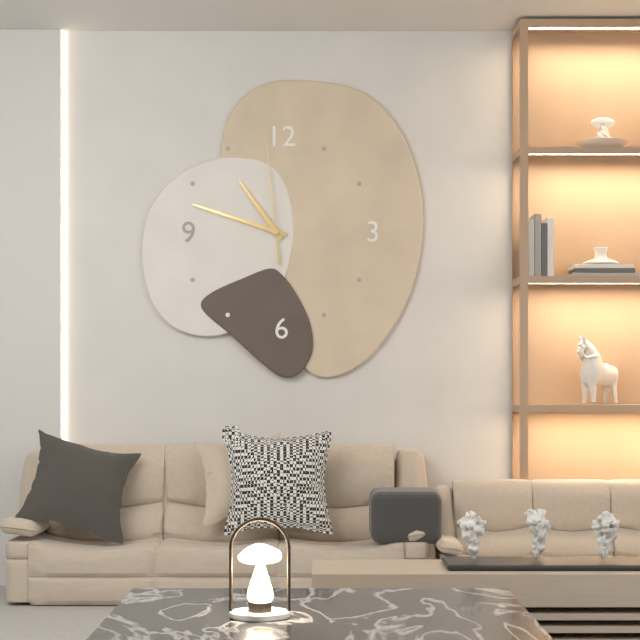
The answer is 10 h 48 min 59 s
